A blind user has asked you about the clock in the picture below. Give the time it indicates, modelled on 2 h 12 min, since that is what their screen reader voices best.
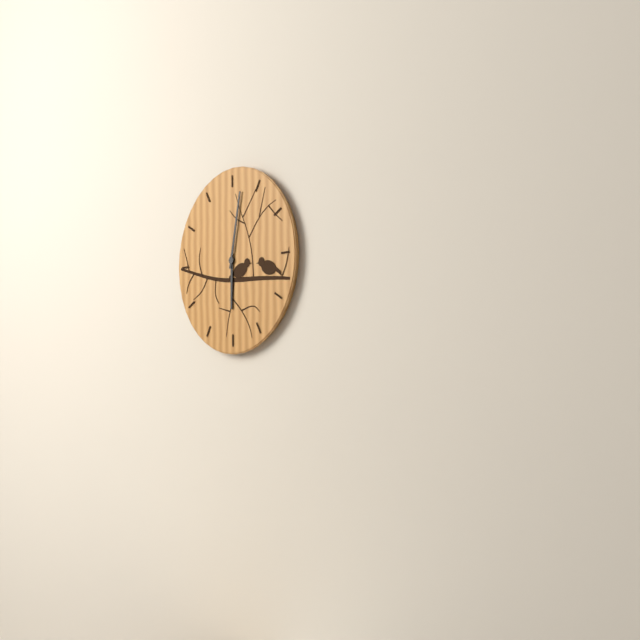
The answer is 6 h 02 min
